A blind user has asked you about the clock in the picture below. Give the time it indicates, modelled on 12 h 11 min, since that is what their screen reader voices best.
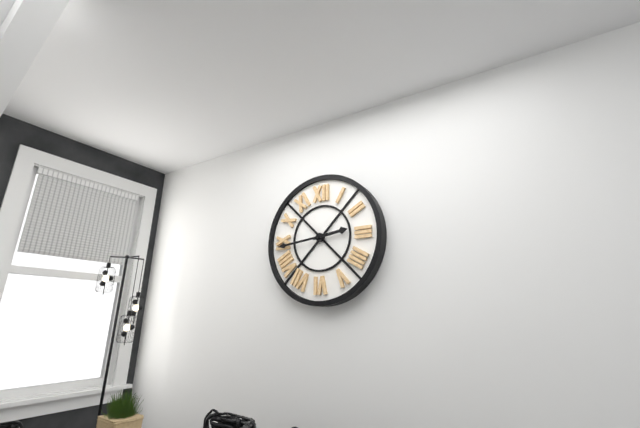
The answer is 2 h 44 min
